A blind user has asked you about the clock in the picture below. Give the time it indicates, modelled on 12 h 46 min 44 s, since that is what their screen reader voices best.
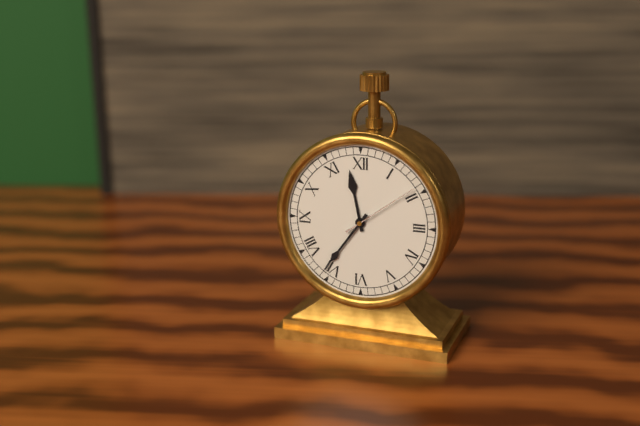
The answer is 11 h 36 min 09 s
